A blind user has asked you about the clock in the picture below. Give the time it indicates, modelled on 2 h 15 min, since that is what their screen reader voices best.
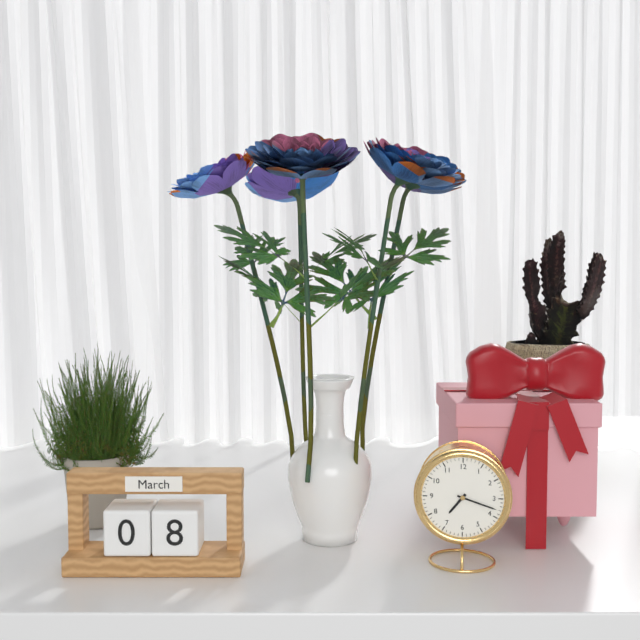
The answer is 7 h 18 min
